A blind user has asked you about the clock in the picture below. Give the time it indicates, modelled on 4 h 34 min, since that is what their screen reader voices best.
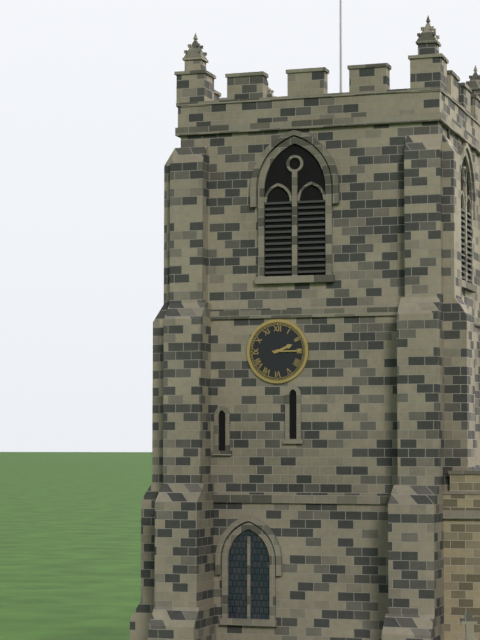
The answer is 2 h 15 min
